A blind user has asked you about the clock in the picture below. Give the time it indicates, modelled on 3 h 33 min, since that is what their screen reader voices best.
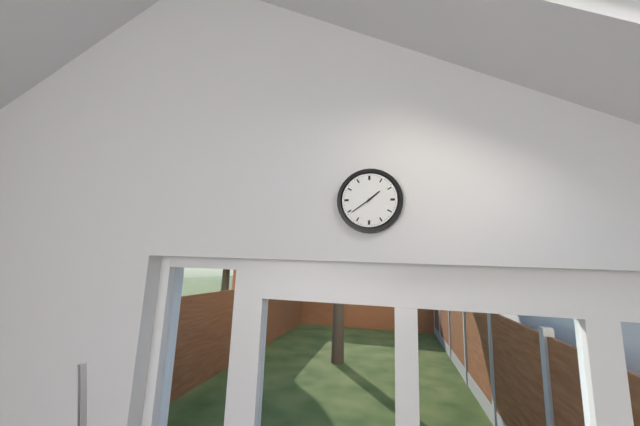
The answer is 1 h 39 min
